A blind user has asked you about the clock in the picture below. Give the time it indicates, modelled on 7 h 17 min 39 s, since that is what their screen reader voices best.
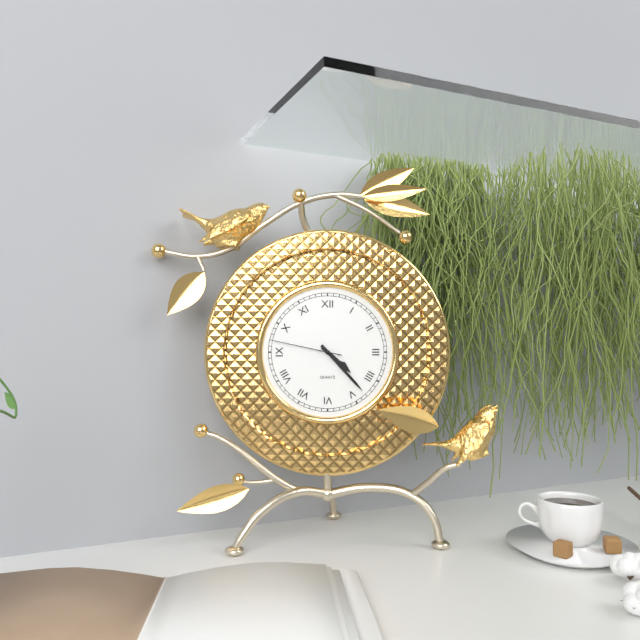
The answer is 4 h 23 min 47 s
